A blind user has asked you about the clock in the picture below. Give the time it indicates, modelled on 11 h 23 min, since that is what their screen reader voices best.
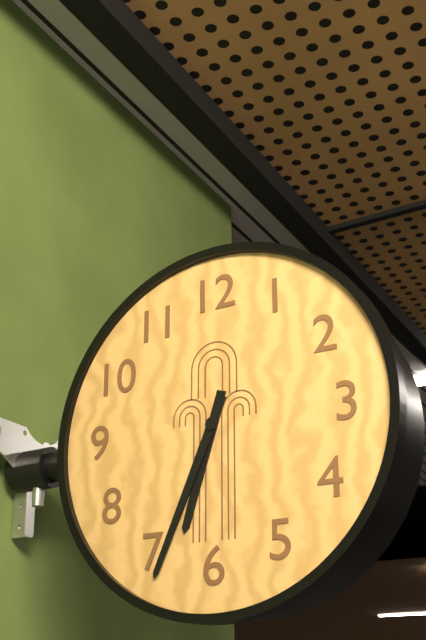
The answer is 6 h 34 min
